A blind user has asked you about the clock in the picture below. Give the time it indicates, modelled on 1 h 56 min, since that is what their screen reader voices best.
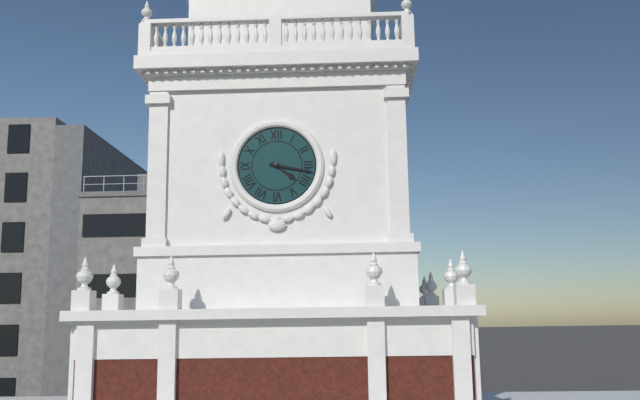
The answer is 4 h 17 min
